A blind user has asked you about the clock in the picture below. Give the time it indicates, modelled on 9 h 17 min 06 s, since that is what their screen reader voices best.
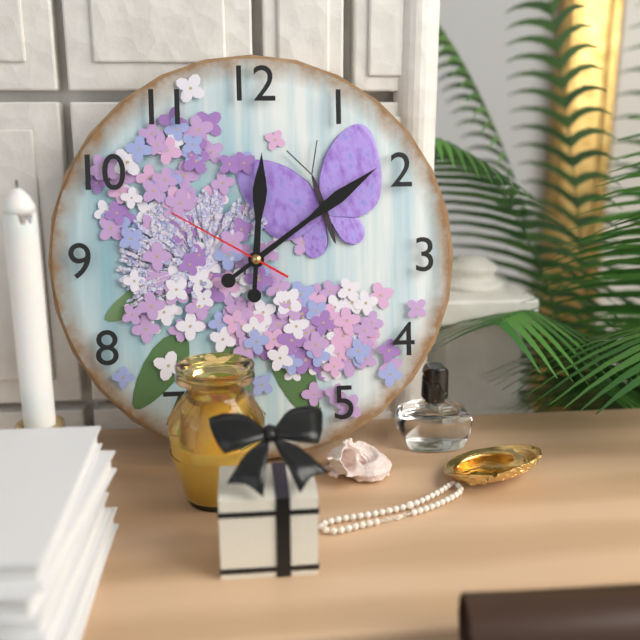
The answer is 12 h 09 min 50 s
